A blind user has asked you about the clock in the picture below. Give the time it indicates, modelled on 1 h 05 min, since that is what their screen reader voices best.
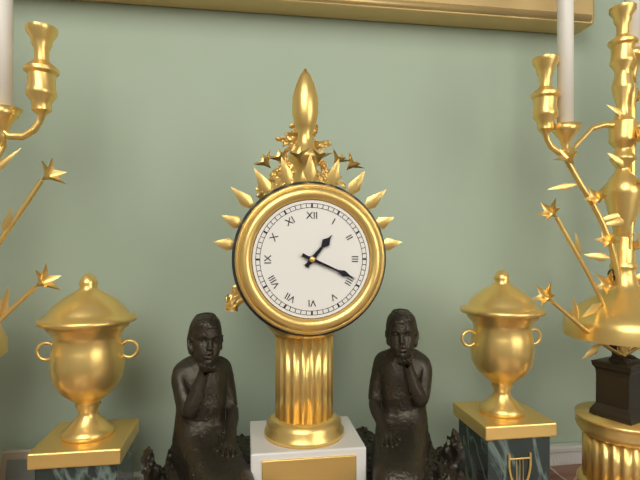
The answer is 1 h 19 min
